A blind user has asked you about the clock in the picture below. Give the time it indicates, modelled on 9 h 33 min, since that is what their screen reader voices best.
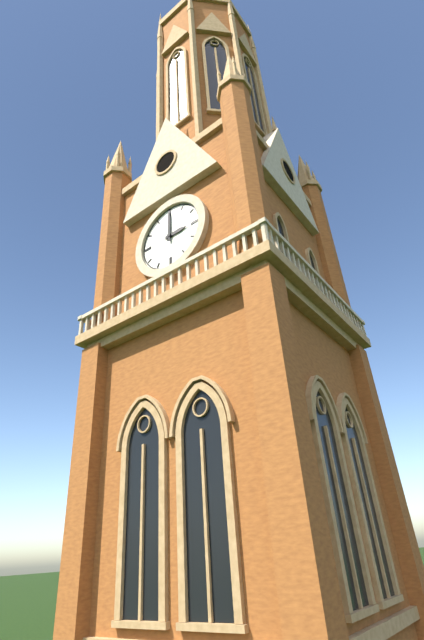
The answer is 3 h 00 min
